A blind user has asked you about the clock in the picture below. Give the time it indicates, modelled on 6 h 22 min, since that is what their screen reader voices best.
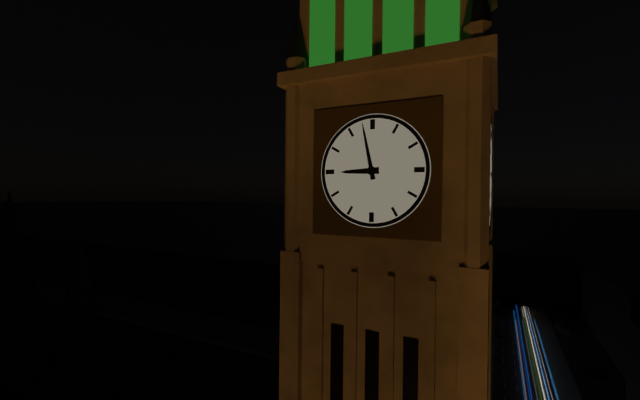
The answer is 8 h 58 min
